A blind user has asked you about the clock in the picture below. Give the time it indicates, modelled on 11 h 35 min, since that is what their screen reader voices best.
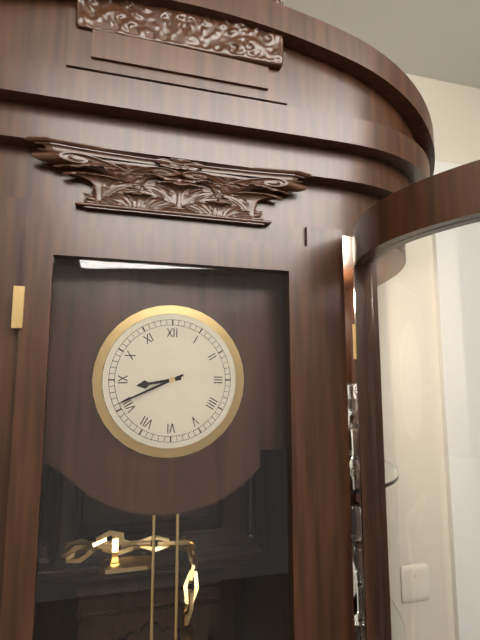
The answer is 8 h 41 min
